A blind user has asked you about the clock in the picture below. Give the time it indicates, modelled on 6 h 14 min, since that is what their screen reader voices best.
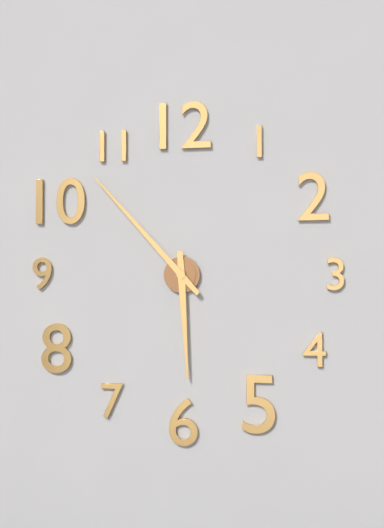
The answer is 5 h 53 min
